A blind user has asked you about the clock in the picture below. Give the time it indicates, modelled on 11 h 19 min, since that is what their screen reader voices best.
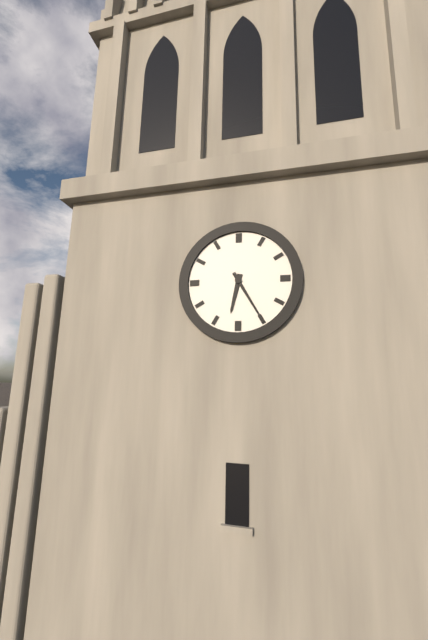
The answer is 6 h 25 min
